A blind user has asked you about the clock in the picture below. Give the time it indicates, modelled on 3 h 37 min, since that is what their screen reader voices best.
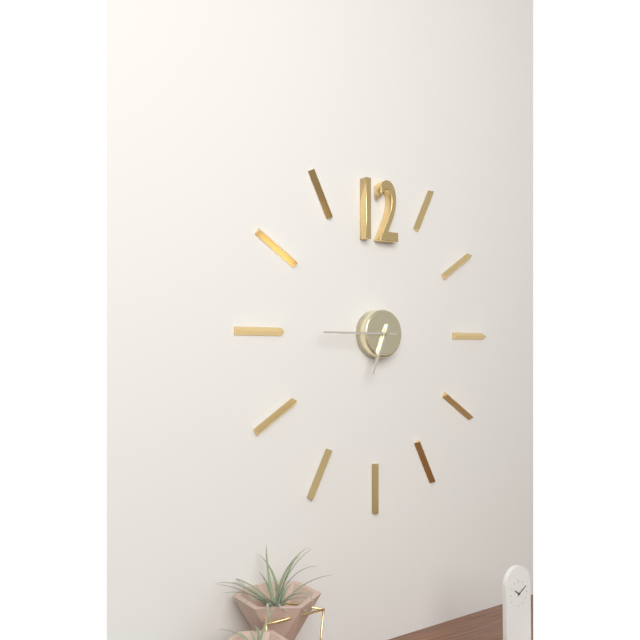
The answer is 6 h 45 min
